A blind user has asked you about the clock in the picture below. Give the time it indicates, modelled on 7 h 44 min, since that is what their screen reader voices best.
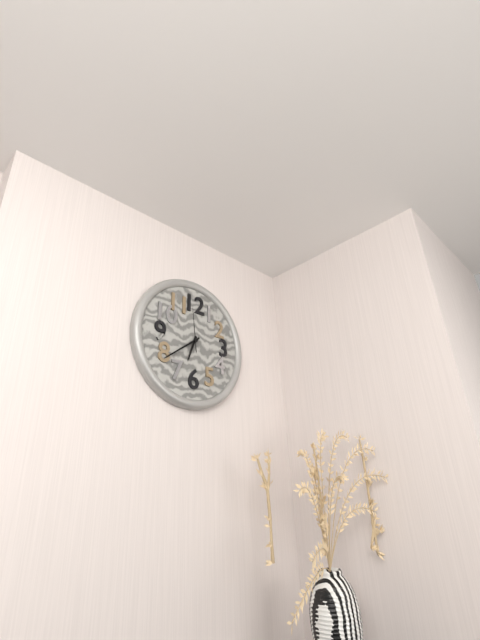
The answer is 6 h 39 min
